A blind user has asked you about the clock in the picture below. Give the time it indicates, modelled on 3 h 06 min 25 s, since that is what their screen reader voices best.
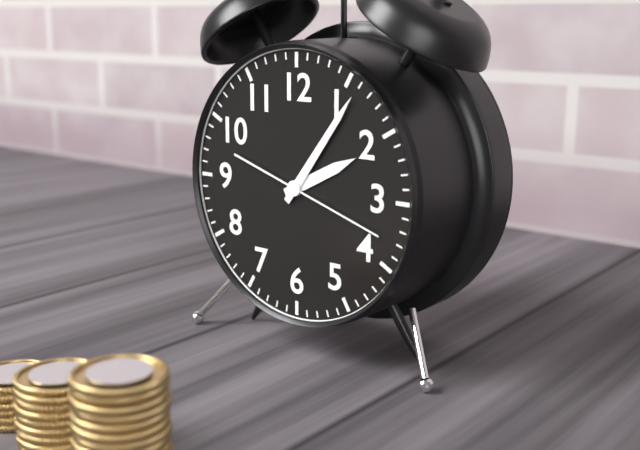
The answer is 2 h 06 min 18 s
